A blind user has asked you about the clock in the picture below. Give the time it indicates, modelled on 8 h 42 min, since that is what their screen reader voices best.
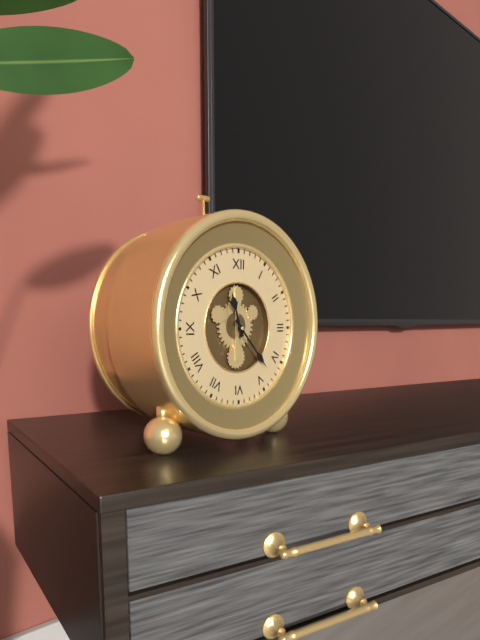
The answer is 11 h 23 min
